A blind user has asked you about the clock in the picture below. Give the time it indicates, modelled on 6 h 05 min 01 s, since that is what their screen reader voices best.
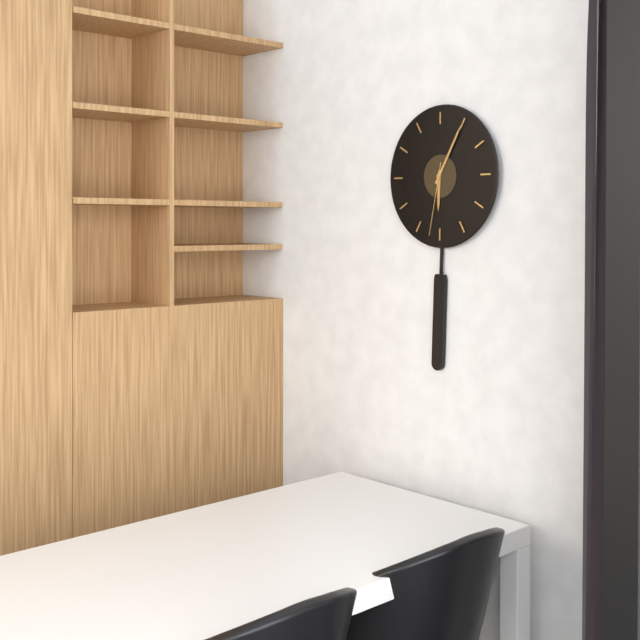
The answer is 6 h 05 min 32 s
